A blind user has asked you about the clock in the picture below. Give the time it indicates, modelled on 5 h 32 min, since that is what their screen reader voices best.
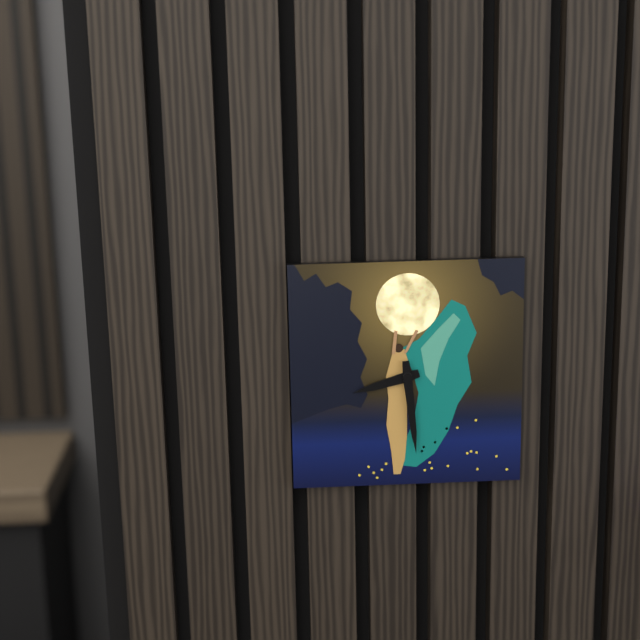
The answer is 8 h 29 min
